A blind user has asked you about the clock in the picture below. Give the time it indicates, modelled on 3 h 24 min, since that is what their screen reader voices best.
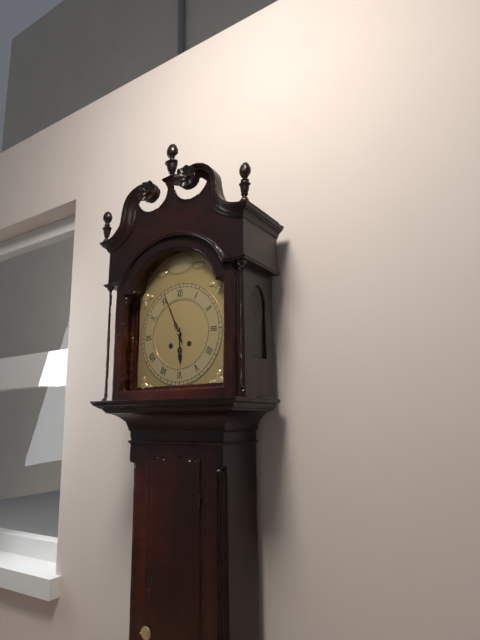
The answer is 5 h 56 min
